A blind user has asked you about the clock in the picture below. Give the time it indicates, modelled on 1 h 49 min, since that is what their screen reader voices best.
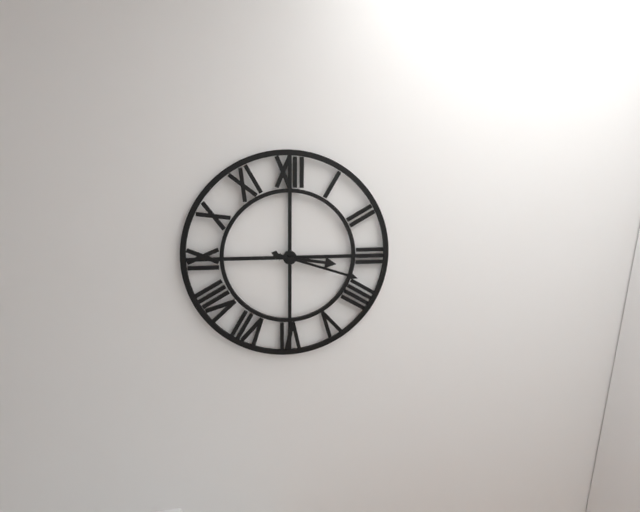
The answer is 3 h 18 min
